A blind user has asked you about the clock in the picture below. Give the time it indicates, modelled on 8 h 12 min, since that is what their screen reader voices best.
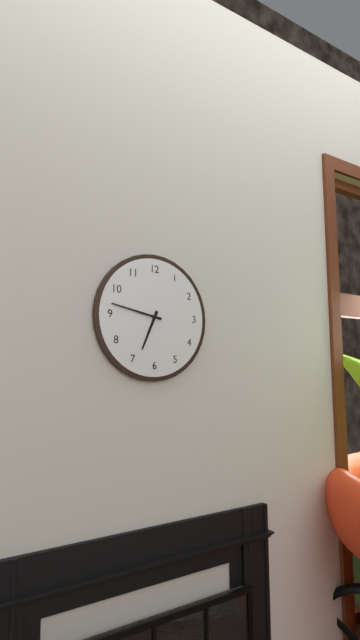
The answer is 6 h 47 min
